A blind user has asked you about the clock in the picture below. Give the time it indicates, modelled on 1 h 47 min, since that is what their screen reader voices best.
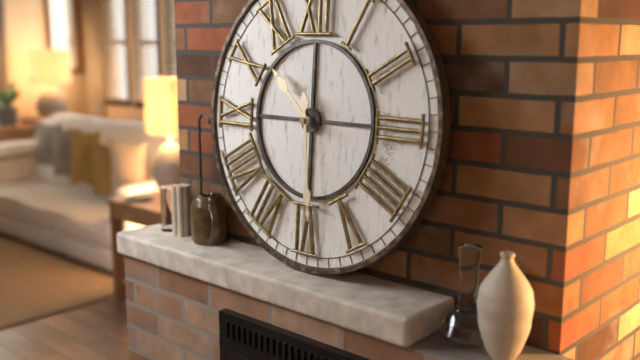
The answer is 10 h 29 min
